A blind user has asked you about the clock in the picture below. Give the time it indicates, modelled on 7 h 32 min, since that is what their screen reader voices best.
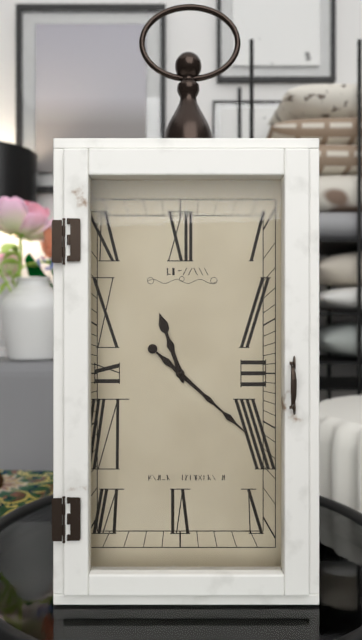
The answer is 11 h 22 min
